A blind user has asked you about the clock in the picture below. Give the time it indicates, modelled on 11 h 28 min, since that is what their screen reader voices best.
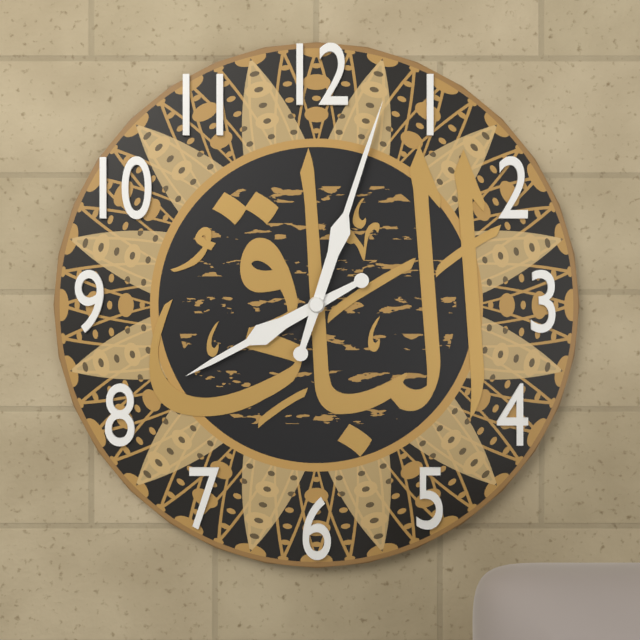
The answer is 8 h 03 min
